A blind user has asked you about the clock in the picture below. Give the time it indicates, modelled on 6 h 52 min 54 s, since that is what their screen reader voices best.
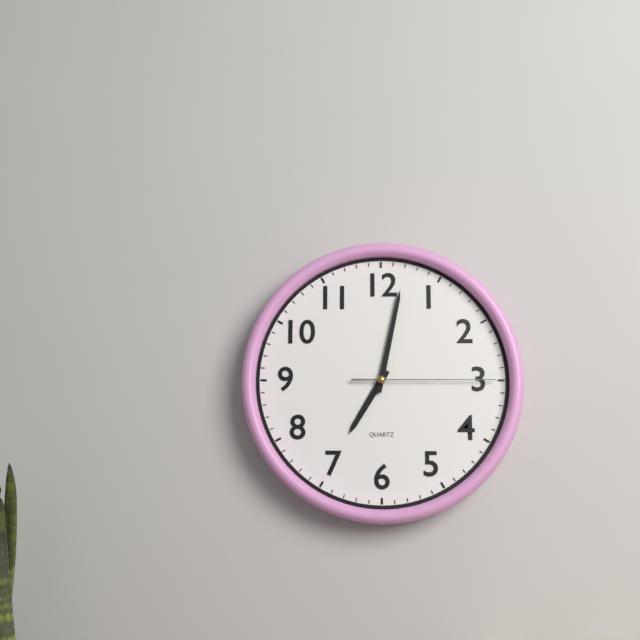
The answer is 7 h 02 min 15 s
